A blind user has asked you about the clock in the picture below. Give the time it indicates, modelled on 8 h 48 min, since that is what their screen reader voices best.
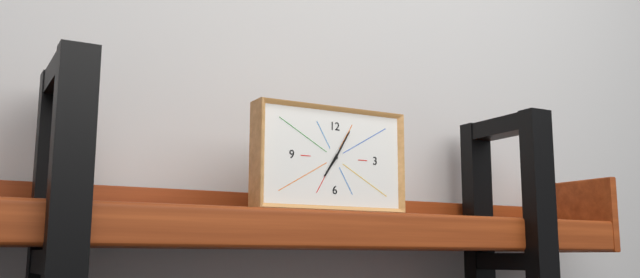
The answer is 7 h 05 min
